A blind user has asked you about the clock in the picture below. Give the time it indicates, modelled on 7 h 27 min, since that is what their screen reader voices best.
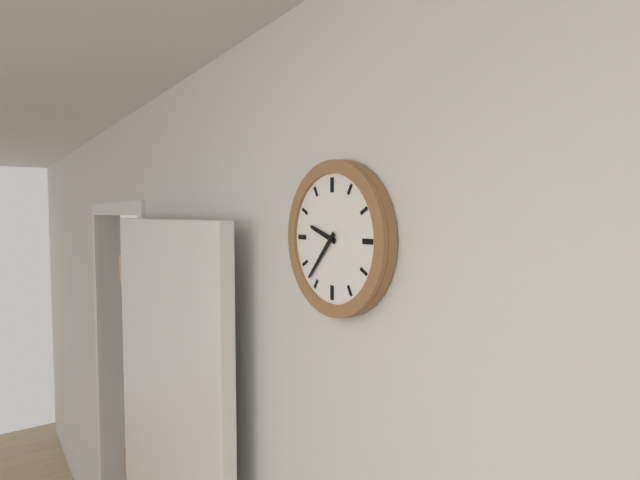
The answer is 9 h 37 min
